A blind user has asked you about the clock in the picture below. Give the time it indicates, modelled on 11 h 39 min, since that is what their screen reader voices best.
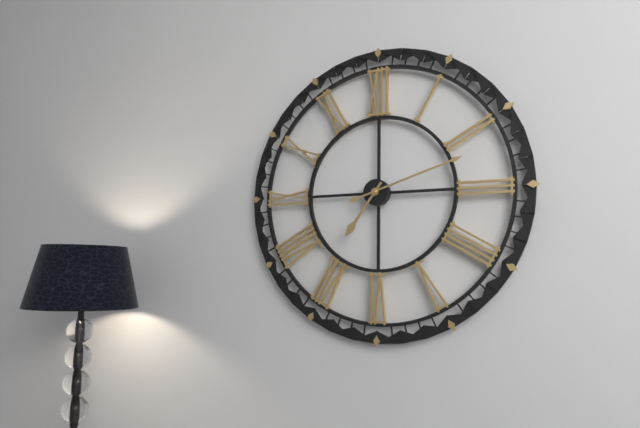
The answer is 7 h 12 min
